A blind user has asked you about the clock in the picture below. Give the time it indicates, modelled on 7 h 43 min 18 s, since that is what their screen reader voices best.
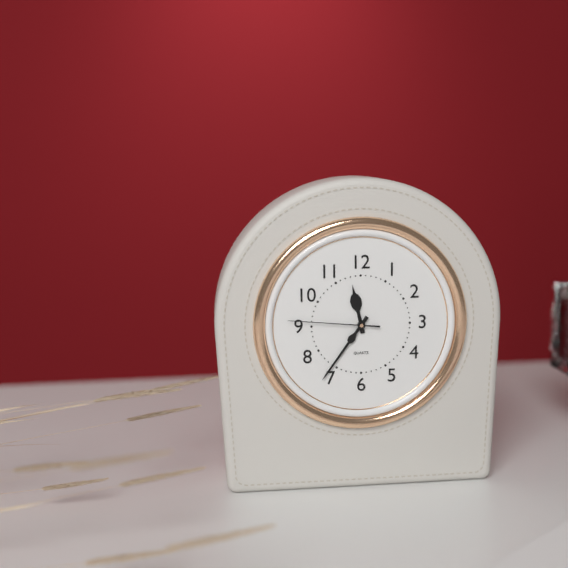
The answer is 11 h 36 min 46 s
